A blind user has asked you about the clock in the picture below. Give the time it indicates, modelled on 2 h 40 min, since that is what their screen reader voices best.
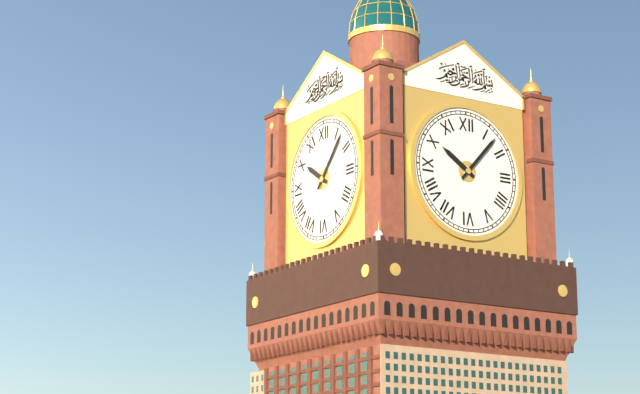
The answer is 10 h 07 min
